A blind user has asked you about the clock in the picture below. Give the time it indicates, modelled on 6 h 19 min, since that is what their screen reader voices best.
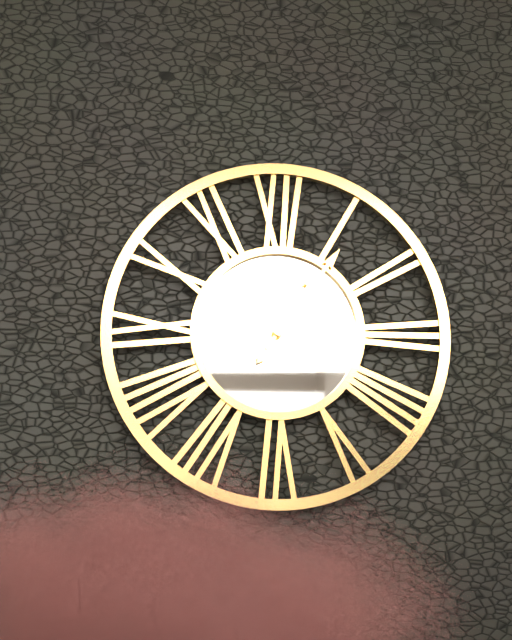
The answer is 1 h 06 min
